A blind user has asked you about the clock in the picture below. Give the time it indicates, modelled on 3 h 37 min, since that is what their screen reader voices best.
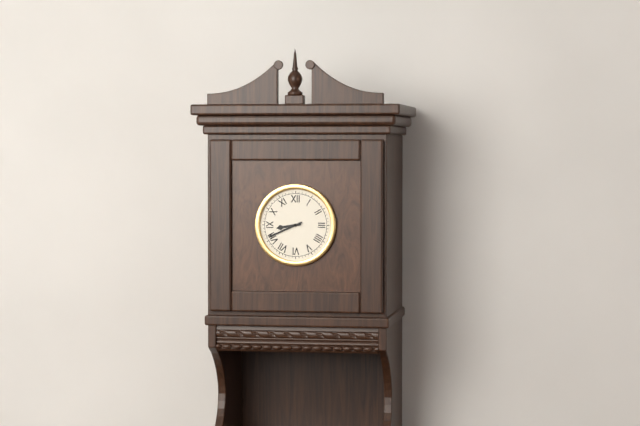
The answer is 8 h 41 min
